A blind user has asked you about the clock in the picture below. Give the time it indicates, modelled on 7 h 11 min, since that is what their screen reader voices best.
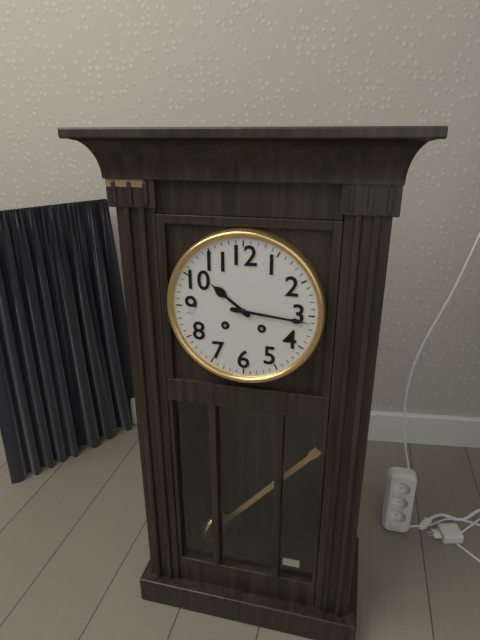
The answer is 10 h 16 min
